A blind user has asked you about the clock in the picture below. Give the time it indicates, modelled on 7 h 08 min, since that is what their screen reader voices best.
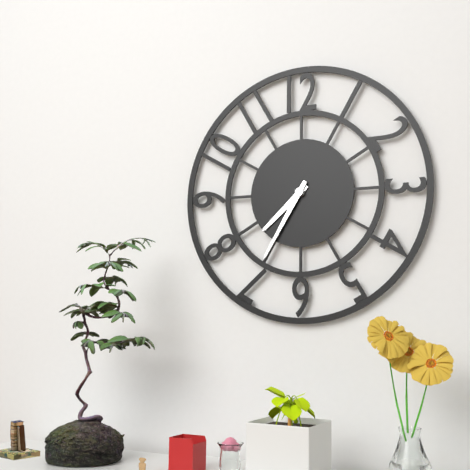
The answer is 7 h 35 min
